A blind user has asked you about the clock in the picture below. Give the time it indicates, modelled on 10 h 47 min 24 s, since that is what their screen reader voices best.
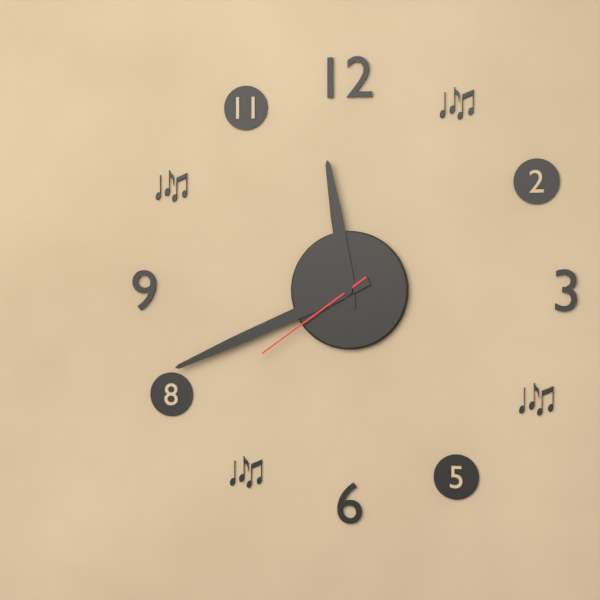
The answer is 11 h 41 min 39 s
